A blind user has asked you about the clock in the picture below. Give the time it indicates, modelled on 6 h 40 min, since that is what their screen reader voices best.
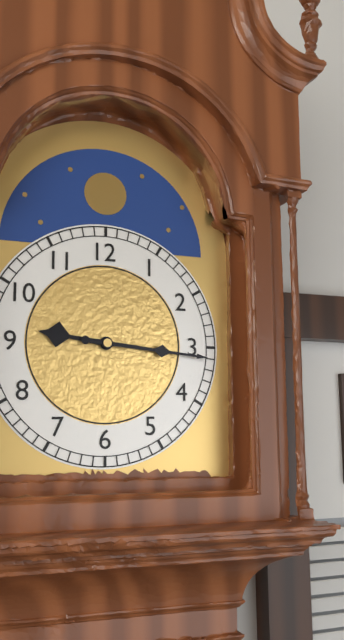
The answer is 9 h 16 min
